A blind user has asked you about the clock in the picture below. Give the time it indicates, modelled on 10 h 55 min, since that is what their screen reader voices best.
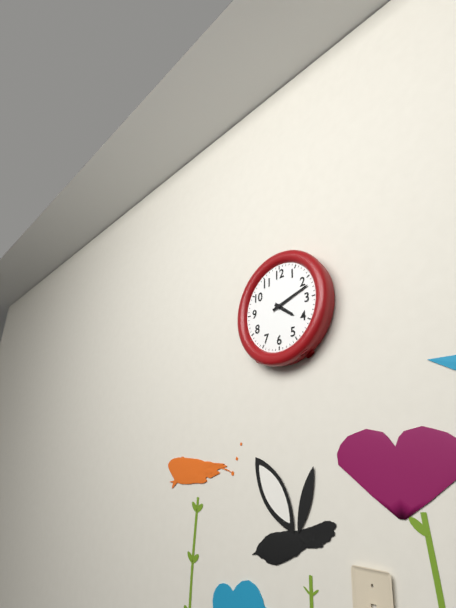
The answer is 4 h 12 min
